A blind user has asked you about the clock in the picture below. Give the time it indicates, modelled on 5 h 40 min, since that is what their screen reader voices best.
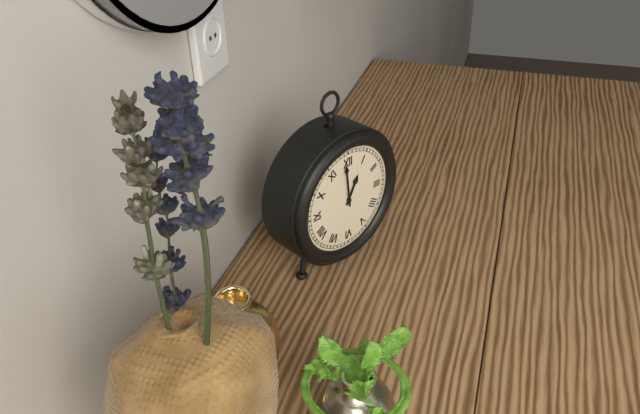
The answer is 12 h 59 min
